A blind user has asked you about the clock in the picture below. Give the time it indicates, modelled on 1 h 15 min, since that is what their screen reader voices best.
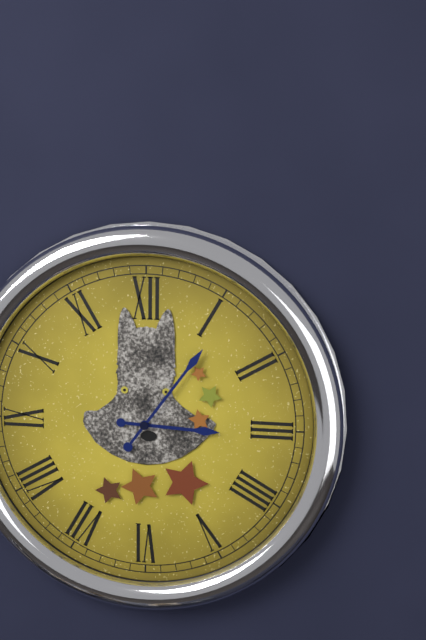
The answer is 3 h 06 min
